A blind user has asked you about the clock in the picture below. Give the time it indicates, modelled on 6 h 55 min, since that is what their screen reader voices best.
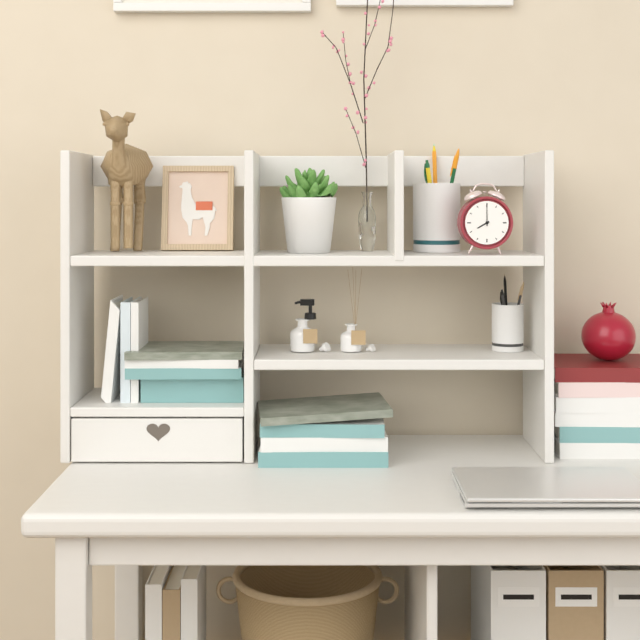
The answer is 8 h 00 min
